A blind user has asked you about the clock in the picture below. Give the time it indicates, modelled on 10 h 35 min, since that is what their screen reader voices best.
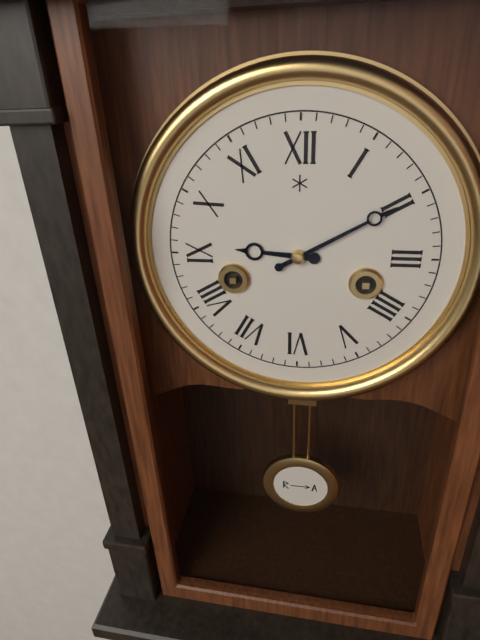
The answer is 9 h 10 min
